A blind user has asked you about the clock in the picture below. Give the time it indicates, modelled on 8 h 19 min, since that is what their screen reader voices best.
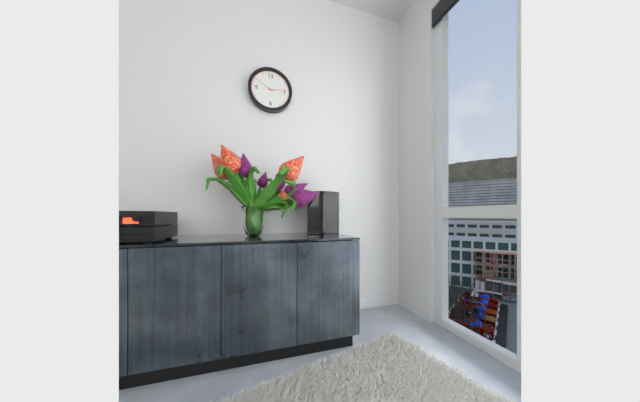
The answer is 2 h 50 min
